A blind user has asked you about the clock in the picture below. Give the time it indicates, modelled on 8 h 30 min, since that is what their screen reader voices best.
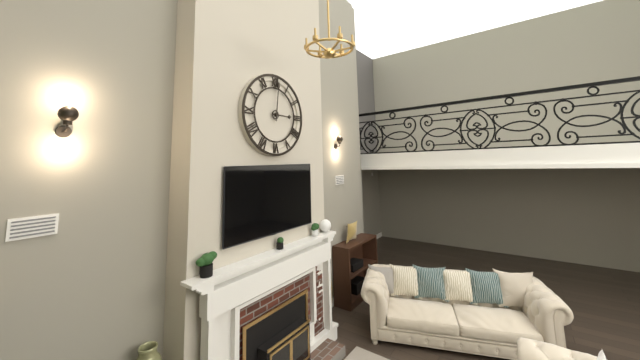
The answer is 3 h 01 min
